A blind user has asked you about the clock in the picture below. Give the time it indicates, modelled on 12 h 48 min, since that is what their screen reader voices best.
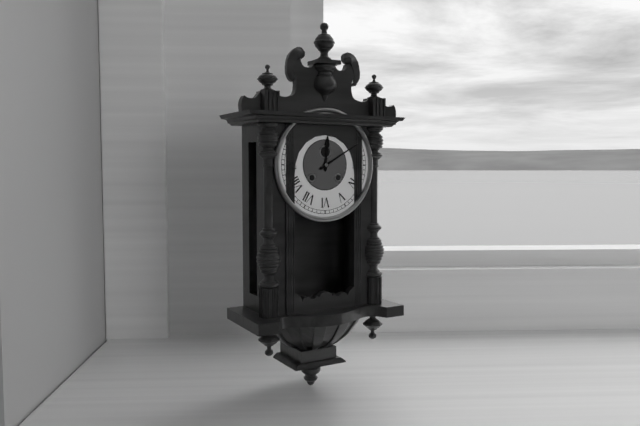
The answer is 12 h 10 min
